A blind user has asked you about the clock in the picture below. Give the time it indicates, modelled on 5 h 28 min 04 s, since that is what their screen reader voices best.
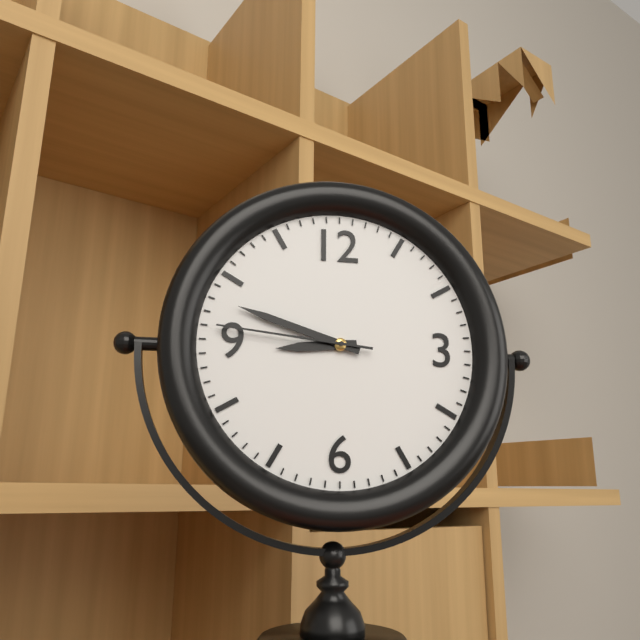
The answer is 8 h 48 min 46 s
